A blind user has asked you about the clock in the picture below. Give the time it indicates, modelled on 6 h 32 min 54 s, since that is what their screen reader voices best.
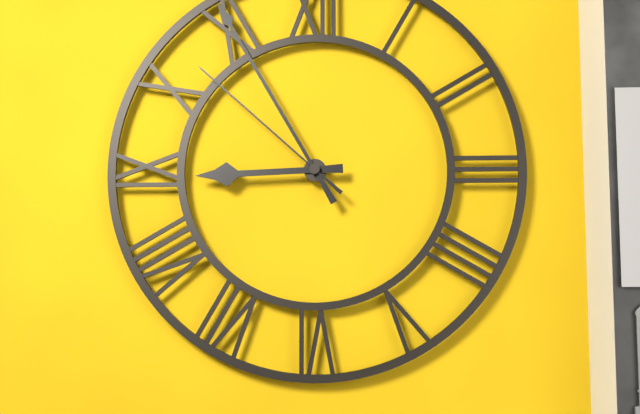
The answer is 8 h 55 min 52 s
